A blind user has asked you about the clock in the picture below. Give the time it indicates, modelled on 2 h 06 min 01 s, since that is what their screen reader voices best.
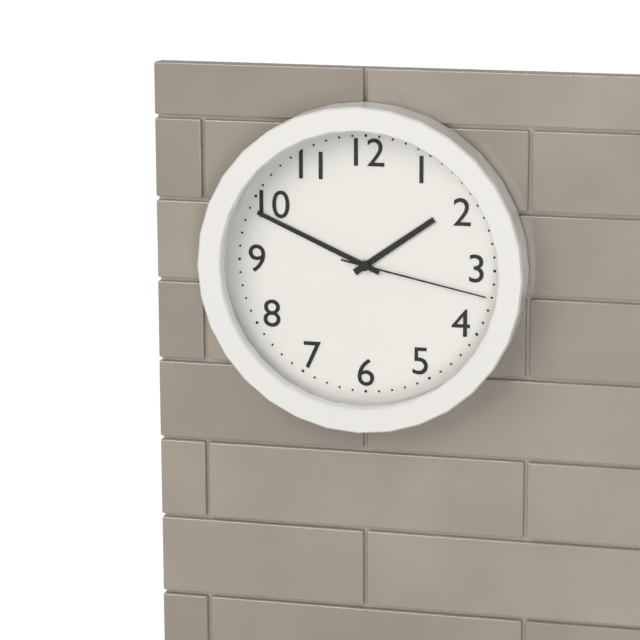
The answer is 1 h 49 min 17 s
